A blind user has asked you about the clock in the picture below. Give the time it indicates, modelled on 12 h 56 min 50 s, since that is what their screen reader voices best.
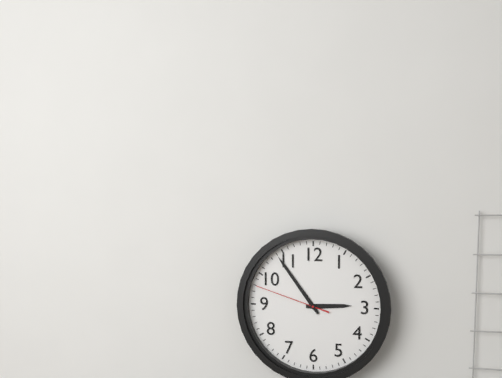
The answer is 2 h 54 min 48 s
